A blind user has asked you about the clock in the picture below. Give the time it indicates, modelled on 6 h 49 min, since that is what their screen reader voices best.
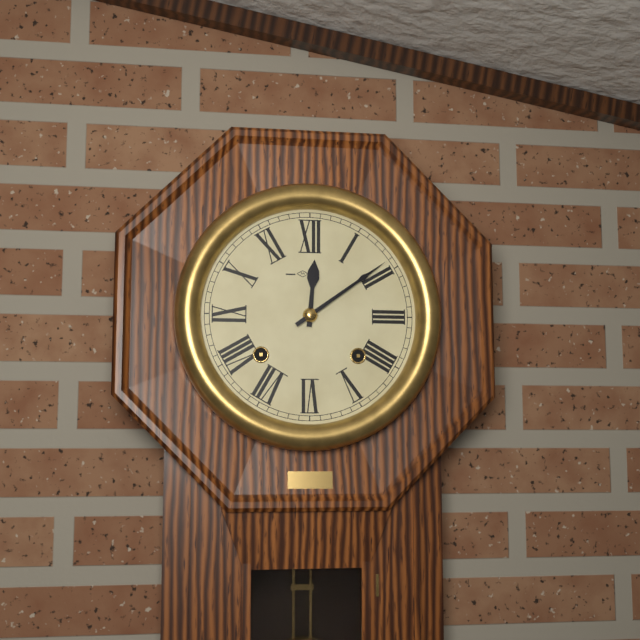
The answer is 12 h 09 min
